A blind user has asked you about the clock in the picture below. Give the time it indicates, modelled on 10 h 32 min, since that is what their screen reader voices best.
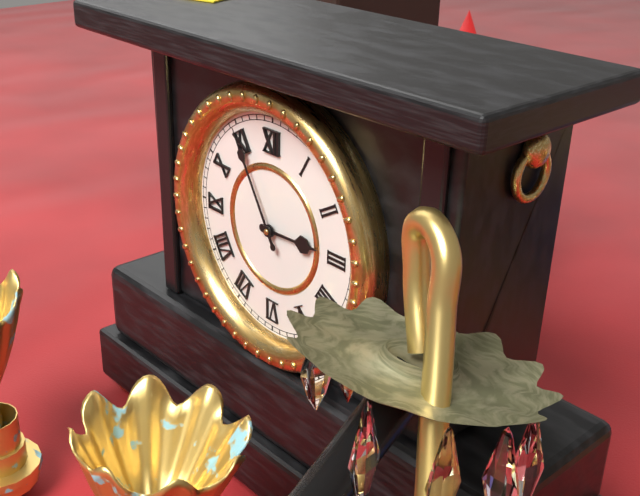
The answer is 2 h 55 min
